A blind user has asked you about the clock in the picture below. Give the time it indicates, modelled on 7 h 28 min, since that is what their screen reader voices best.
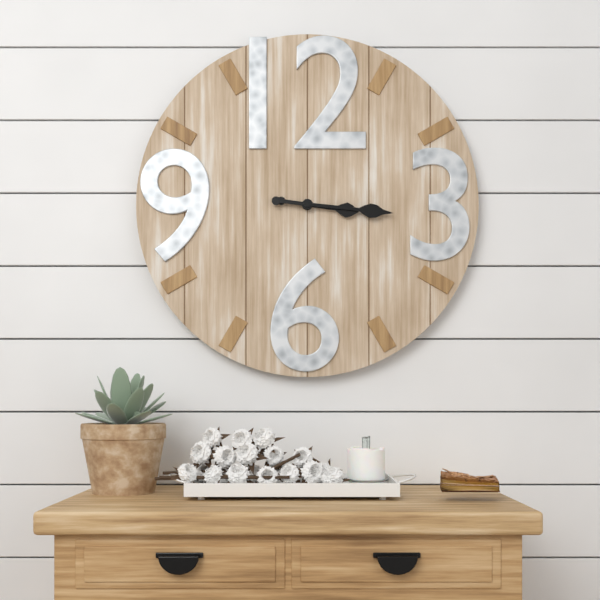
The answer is 3 h 16 min
